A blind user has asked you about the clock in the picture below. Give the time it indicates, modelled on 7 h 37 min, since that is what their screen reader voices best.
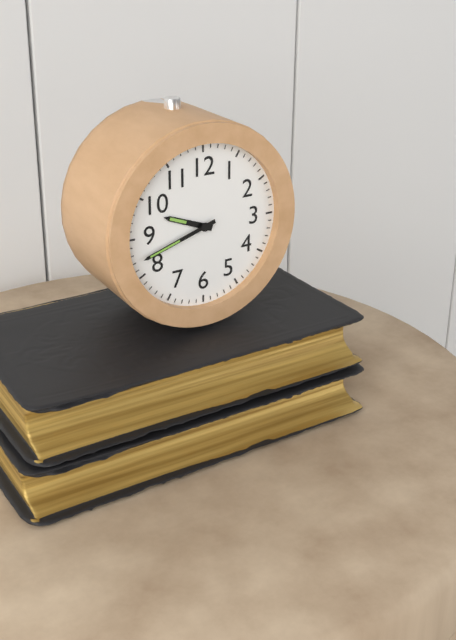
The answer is 9 h 42 min
